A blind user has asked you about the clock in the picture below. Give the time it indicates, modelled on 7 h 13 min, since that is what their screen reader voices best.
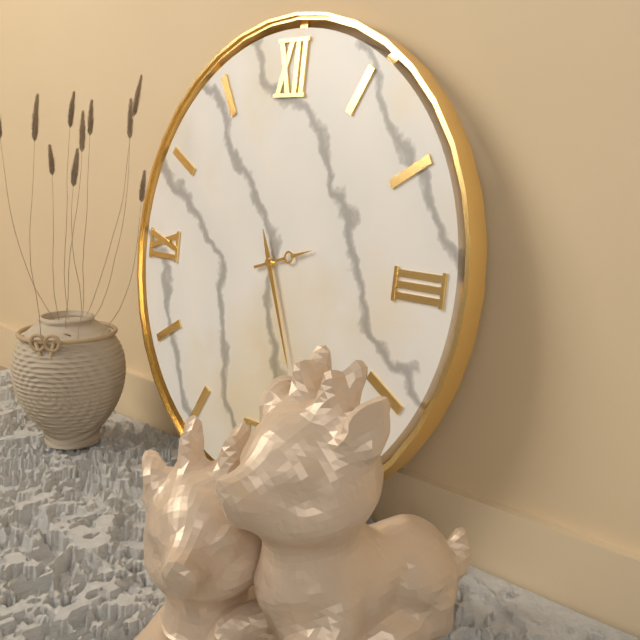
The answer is 2 h 26 min
